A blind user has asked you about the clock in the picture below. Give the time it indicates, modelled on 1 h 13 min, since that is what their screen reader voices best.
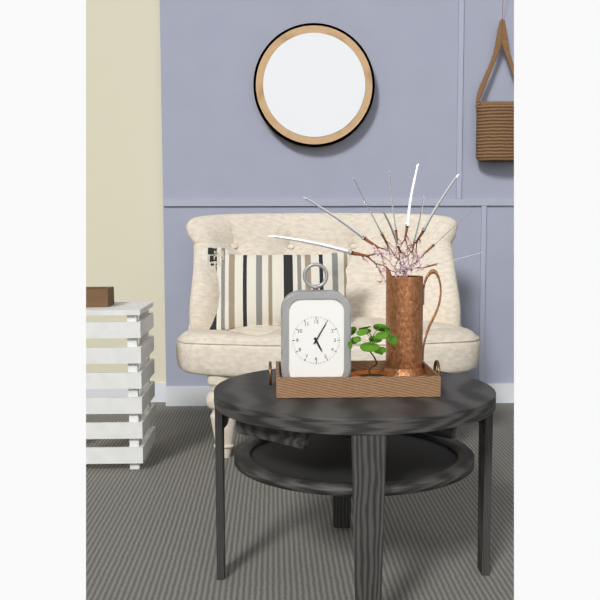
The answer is 5 h 05 min
